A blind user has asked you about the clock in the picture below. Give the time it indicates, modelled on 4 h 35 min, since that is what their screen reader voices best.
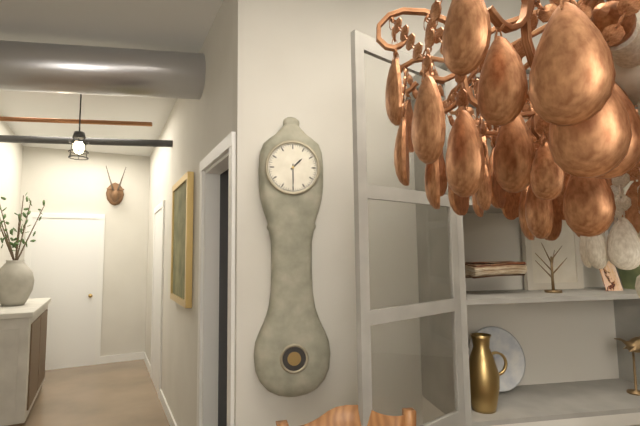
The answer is 1 h 30 min
